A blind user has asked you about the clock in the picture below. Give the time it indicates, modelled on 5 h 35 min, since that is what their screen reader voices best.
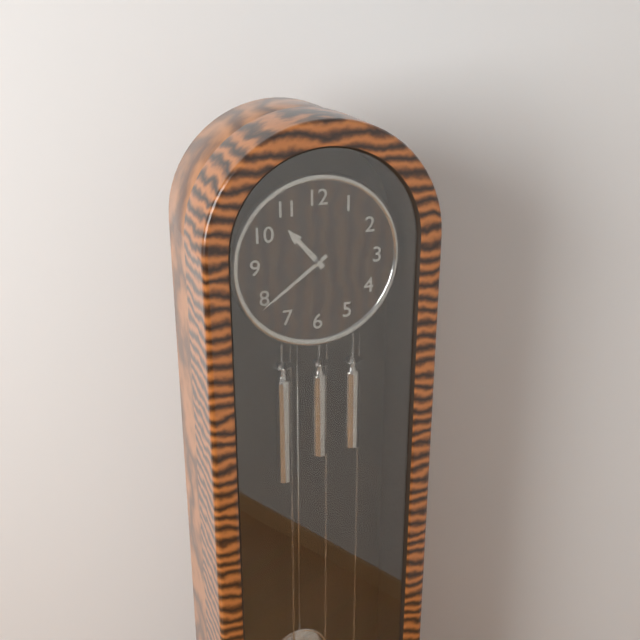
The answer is 10 h 39 min
